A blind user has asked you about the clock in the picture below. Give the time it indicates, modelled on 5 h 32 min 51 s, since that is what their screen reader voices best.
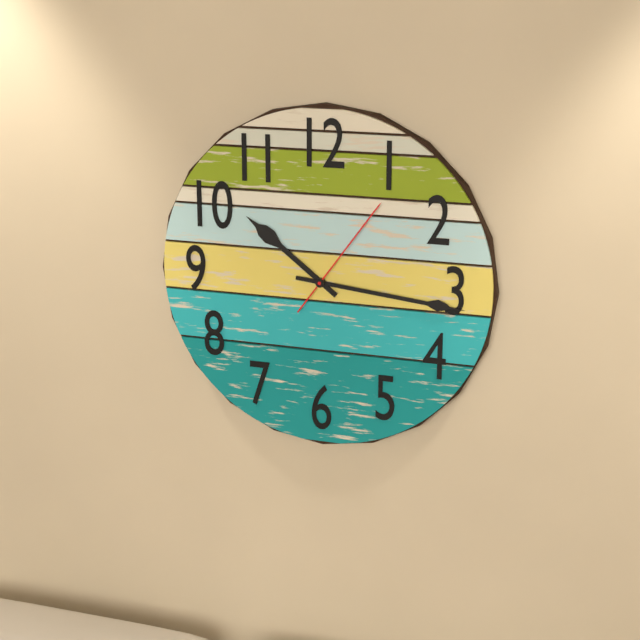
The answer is 10 h 16 min 06 s
